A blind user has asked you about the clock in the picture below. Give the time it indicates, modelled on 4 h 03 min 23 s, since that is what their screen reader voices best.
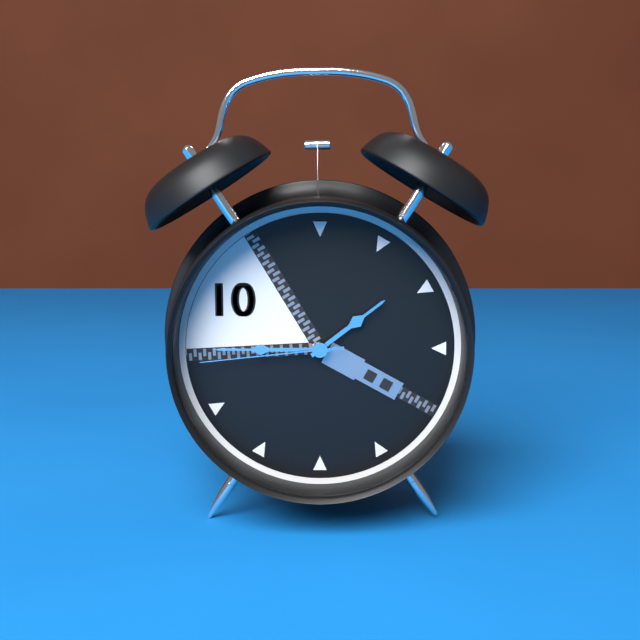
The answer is 1 h 45 min 44 s
